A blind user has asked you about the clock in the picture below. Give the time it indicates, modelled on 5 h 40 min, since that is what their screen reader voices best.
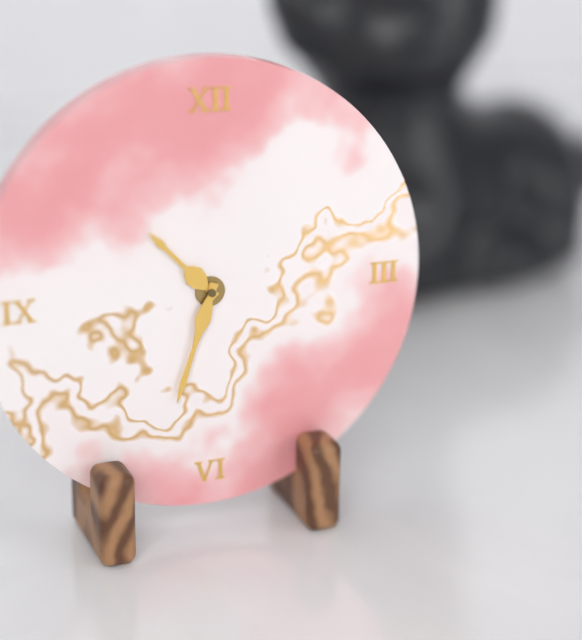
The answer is 10 h 33 min
